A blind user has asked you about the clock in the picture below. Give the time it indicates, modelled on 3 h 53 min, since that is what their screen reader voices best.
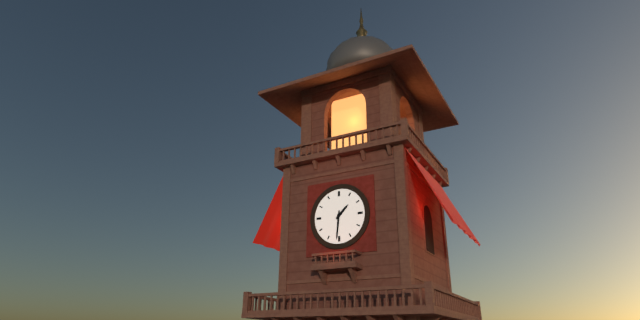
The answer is 1 h 31 min
